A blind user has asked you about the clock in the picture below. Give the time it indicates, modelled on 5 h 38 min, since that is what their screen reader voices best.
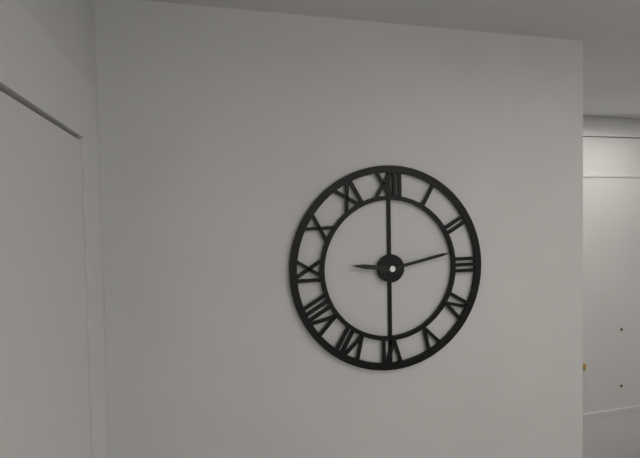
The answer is 9 h 13 min
